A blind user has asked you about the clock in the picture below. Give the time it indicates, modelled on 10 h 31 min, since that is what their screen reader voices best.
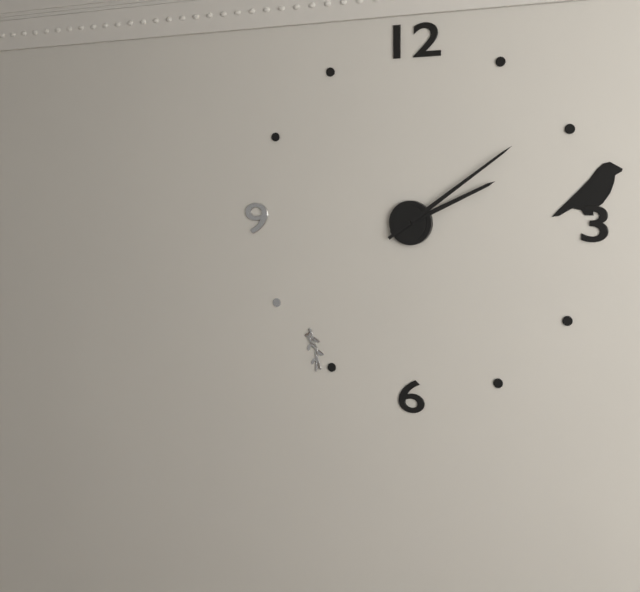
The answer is 2 h 09 min
